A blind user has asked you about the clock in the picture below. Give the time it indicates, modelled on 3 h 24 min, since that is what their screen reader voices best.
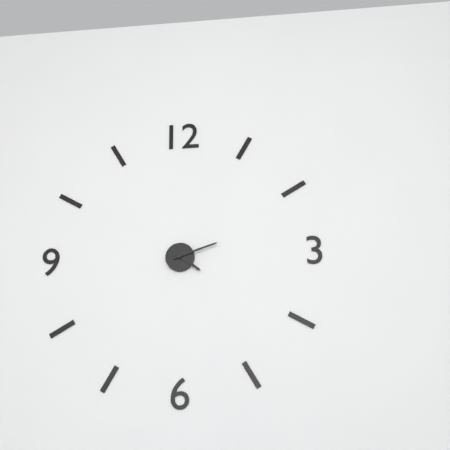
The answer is 4 h 12 min
